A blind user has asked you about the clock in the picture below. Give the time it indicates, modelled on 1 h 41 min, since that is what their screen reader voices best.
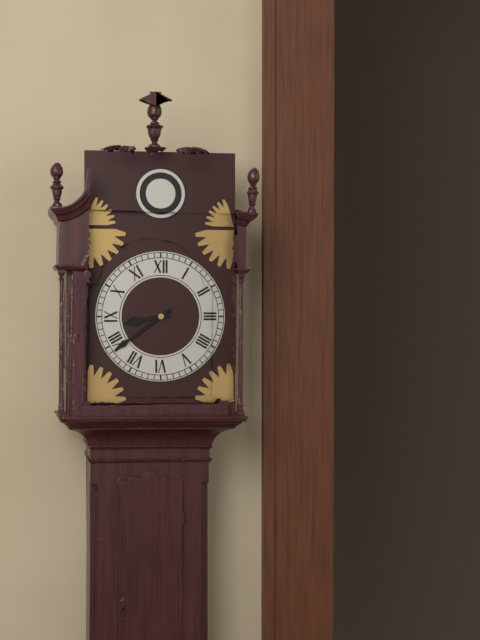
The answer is 8 h 39 min
